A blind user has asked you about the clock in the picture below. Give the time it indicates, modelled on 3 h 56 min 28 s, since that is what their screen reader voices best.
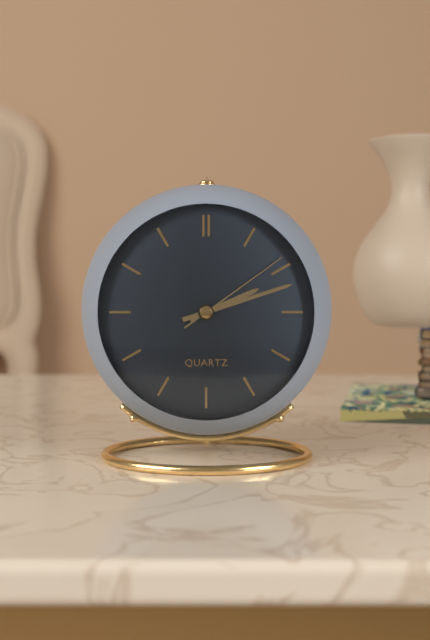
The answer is 2 h 12 min 09 s
